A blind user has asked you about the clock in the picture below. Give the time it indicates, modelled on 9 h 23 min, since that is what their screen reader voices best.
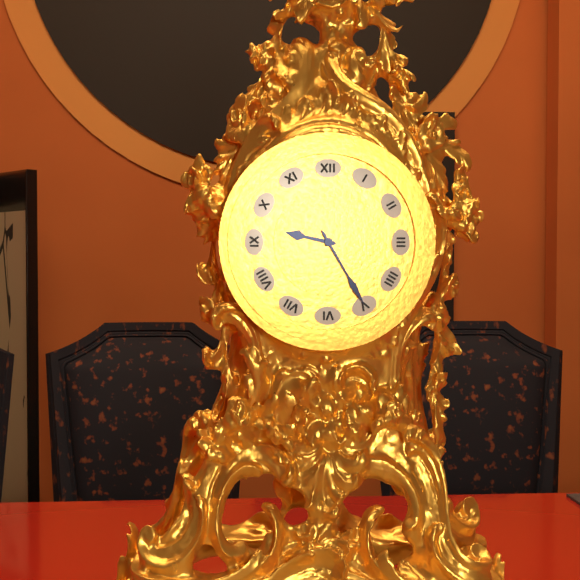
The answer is 9 h 25 min
